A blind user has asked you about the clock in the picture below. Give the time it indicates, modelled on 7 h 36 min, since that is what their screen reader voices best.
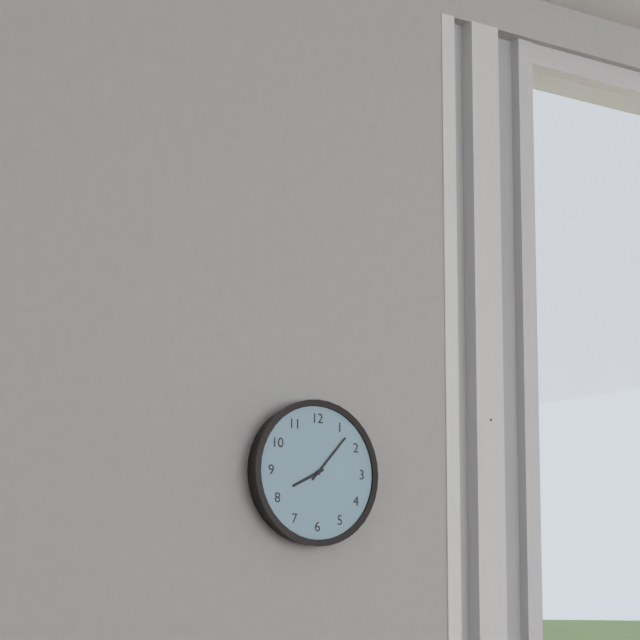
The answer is 8 h 07 min
